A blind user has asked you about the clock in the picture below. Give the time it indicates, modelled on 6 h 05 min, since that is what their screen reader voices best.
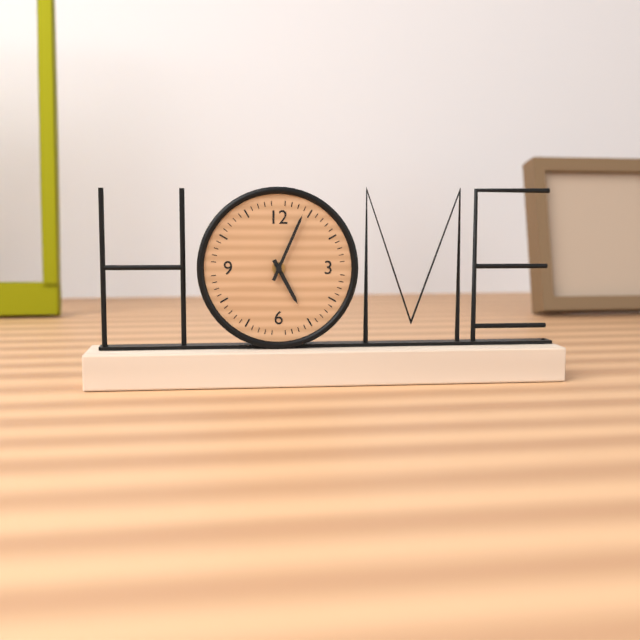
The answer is 5 h 04 min
